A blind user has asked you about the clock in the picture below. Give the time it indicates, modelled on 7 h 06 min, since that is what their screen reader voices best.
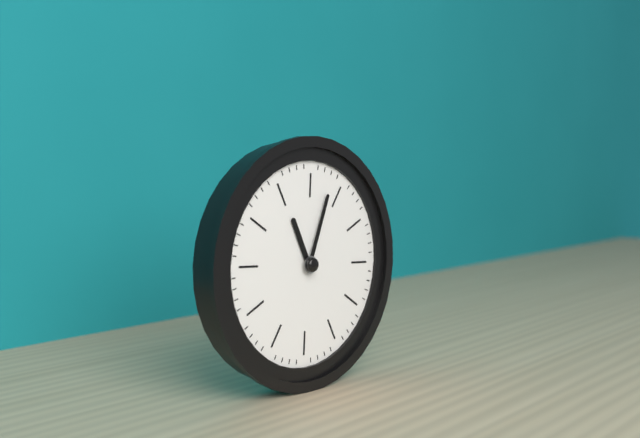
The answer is 11 h 03 min
